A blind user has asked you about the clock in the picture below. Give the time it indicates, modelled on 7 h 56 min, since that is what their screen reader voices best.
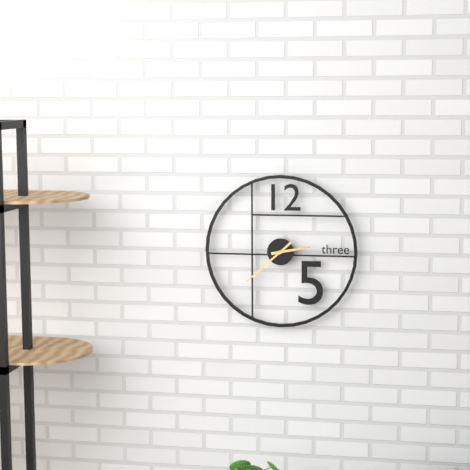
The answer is 2 h 38 min
